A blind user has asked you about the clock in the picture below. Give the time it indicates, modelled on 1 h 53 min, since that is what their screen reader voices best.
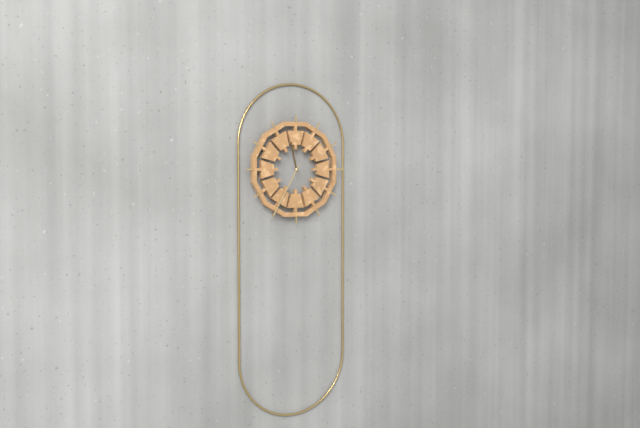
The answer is 11 h 35 min
